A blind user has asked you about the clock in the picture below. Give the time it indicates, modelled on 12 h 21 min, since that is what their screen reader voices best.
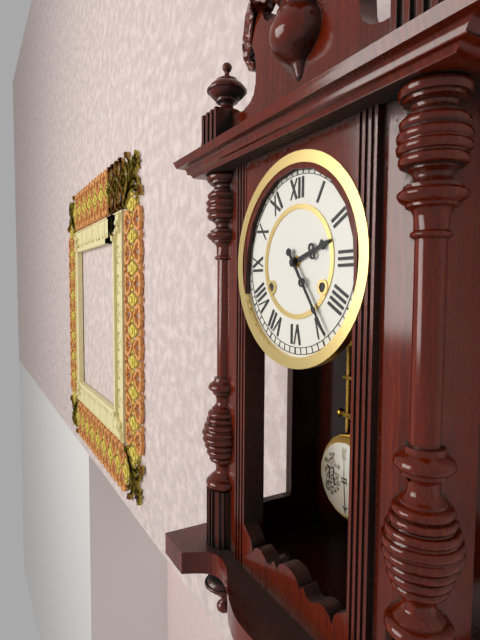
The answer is 2 h 24 min
